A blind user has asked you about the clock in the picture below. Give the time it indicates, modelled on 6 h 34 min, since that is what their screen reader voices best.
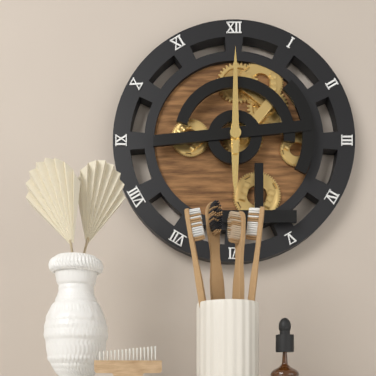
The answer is 6 h 00 min
